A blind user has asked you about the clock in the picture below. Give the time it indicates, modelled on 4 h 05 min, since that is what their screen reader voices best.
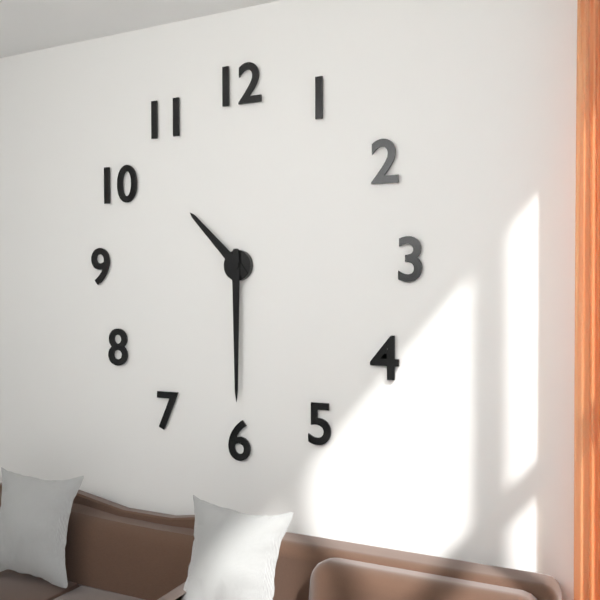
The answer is 10 h 30 min
